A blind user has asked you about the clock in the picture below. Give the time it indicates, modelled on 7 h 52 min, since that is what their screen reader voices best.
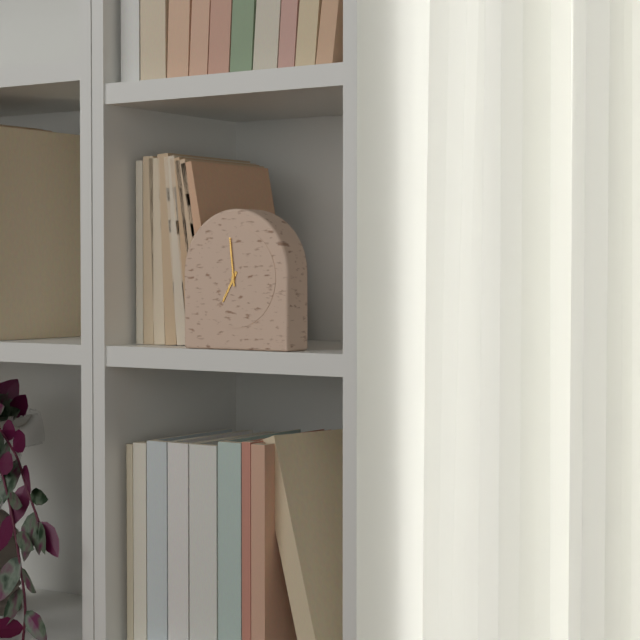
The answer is 6 h 59 min
